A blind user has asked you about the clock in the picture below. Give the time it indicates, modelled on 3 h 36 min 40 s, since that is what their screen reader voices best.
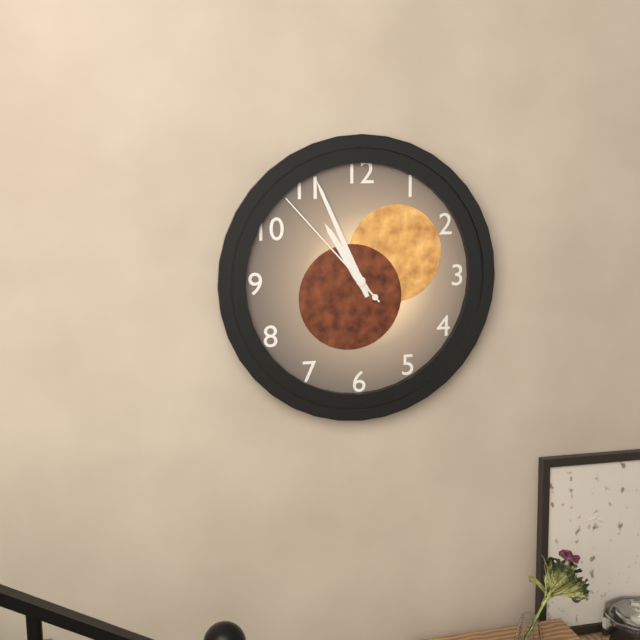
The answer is 10 h 56 min 53 s
